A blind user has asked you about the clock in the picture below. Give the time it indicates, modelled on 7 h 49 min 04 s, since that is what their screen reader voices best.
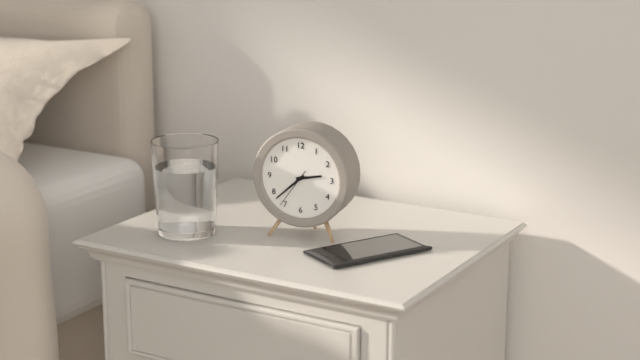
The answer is 2 h 38 min 36 s
